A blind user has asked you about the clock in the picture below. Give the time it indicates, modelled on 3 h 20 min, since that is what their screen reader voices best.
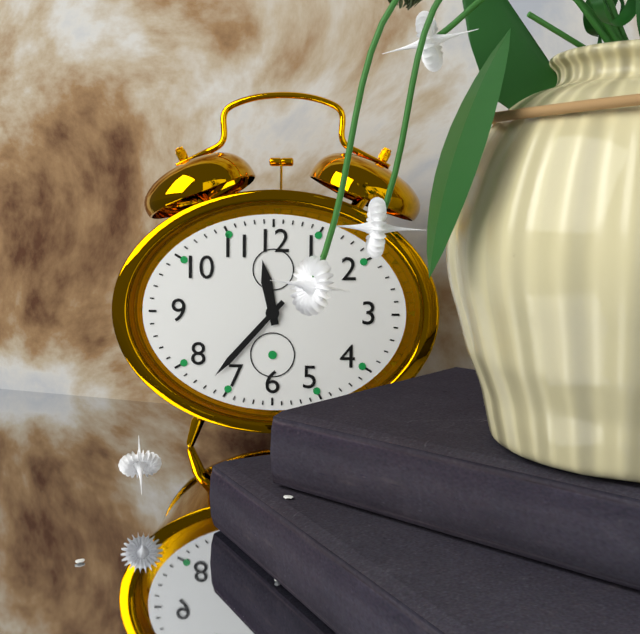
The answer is 11 h 37 min
